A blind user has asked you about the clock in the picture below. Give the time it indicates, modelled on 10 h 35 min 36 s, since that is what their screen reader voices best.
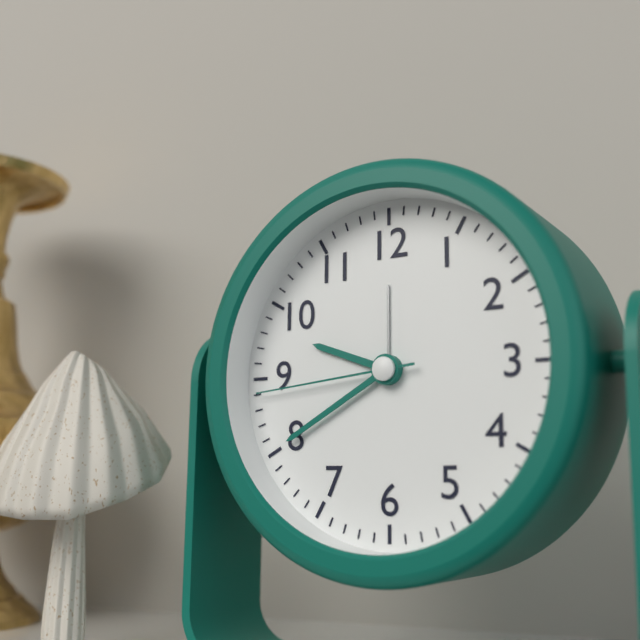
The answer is 9 h 40 min 44 s
